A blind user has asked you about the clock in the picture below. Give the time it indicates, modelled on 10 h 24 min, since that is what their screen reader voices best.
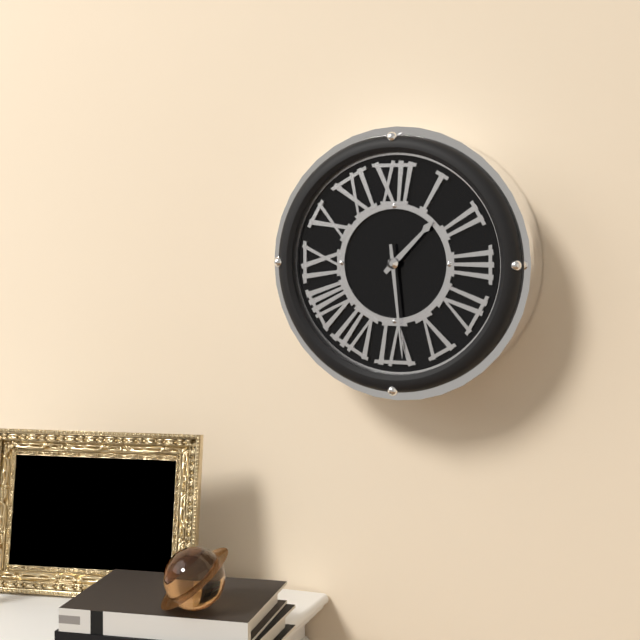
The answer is 1 h 29 min
